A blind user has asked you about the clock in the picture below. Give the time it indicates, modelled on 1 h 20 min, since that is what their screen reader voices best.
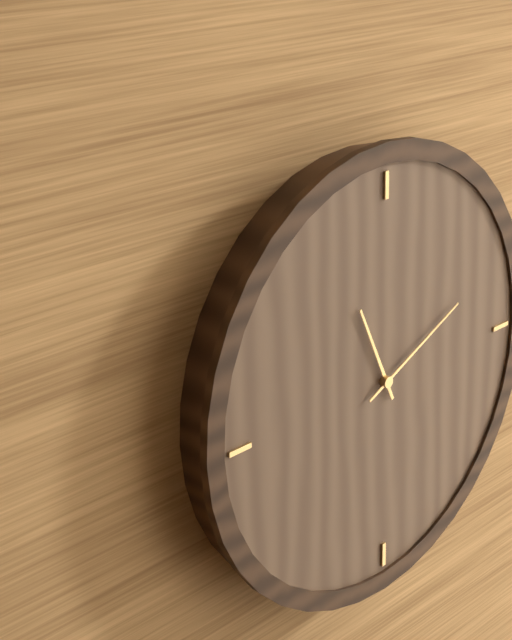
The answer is 11 h 11 min
